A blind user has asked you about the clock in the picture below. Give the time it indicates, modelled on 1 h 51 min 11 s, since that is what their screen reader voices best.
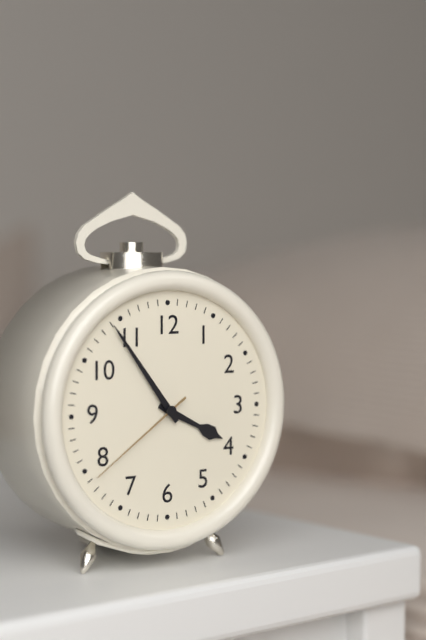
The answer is 3 h 54 min 39 s
